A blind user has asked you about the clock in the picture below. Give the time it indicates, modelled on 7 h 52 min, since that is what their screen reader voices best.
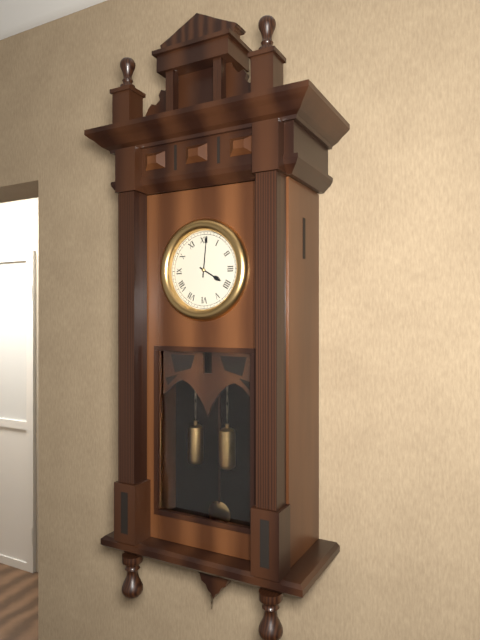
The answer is 4 h 01 min
